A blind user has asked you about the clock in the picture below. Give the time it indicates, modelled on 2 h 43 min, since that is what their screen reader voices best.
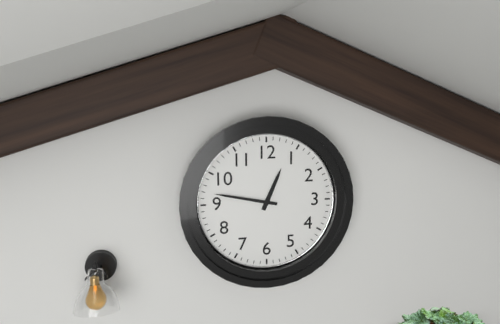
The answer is 12 h 47 min
